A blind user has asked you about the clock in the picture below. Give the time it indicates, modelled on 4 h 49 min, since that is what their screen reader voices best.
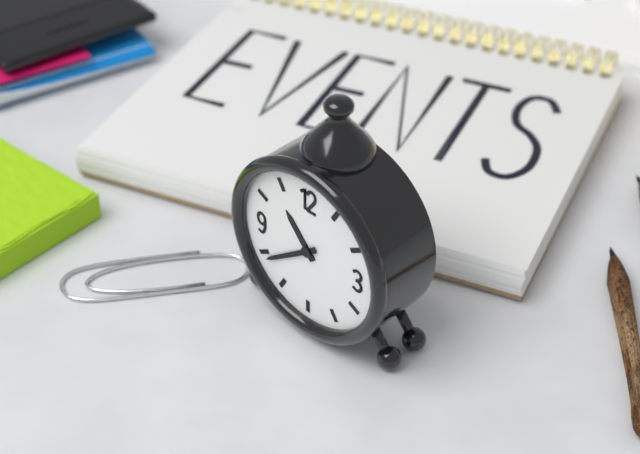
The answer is 10 h 39 min
